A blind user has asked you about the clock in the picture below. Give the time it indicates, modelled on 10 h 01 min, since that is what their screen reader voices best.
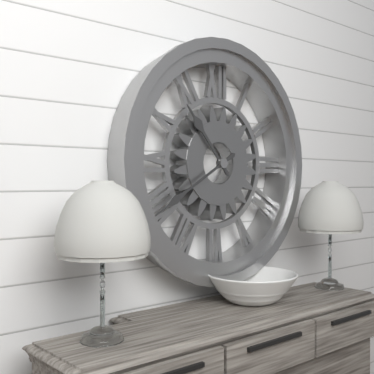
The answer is 10 h 40 min
